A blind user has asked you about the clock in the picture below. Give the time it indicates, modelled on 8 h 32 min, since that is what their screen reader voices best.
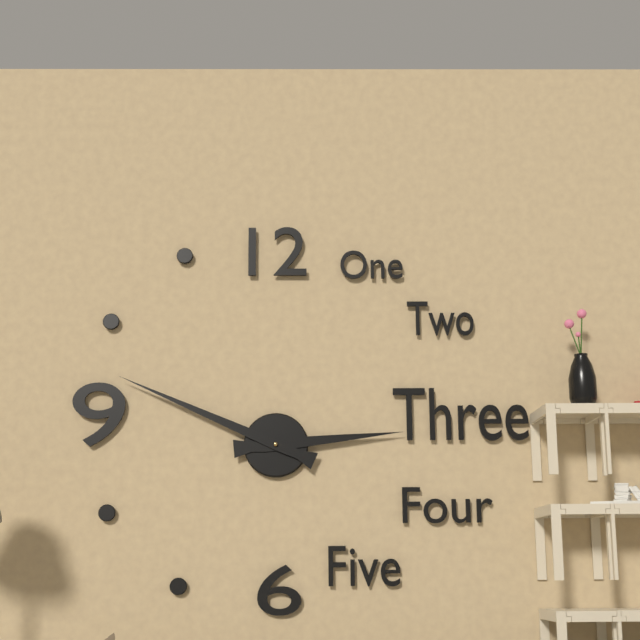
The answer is 2 h 49 min
